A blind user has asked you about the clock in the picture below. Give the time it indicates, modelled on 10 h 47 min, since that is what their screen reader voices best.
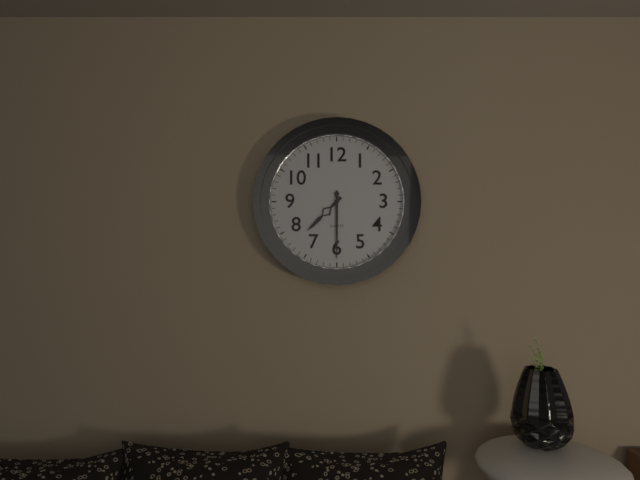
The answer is 7 h 30 min
